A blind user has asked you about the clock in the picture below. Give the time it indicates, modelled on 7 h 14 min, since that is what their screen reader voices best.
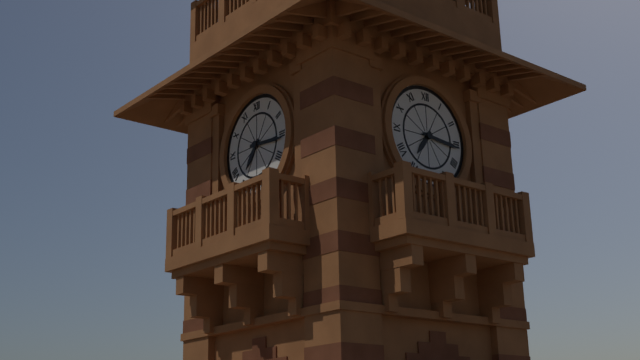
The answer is 7 h 16 min
